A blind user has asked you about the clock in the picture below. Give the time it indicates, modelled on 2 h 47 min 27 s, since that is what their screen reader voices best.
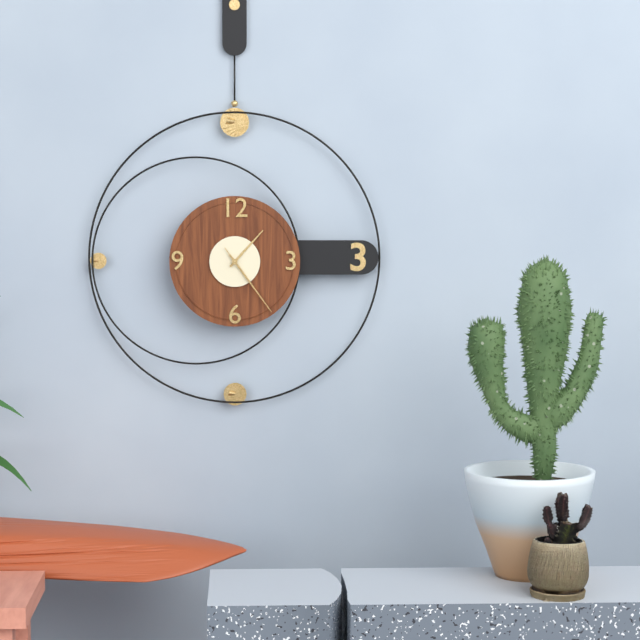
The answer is 1 h 24 min 24 s
